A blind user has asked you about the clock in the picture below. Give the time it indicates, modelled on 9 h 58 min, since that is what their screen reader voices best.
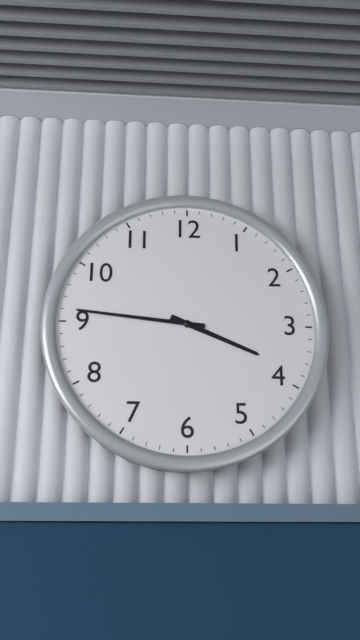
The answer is 3 h 46 min
